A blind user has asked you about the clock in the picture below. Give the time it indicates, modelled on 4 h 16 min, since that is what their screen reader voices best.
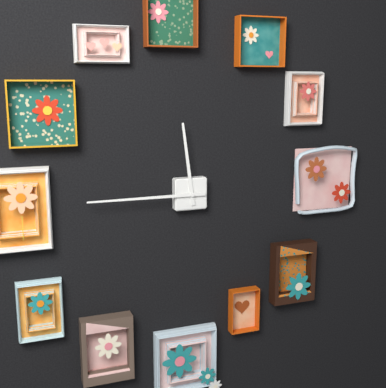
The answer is 11 h 45 min
